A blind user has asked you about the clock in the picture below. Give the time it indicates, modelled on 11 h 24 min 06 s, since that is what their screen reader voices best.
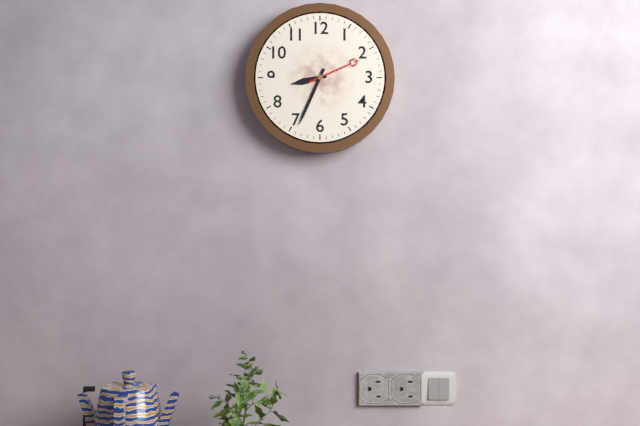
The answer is 8 h 34 min 11 s
